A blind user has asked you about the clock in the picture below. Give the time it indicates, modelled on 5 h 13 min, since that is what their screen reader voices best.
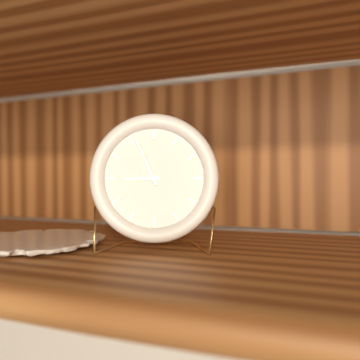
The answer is 8 h 56 min
